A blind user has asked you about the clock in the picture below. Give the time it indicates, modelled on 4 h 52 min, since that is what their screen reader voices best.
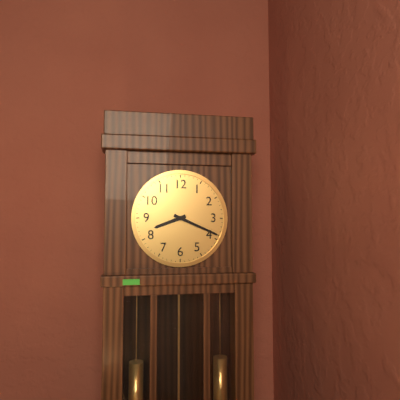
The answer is 8 h 19 min
